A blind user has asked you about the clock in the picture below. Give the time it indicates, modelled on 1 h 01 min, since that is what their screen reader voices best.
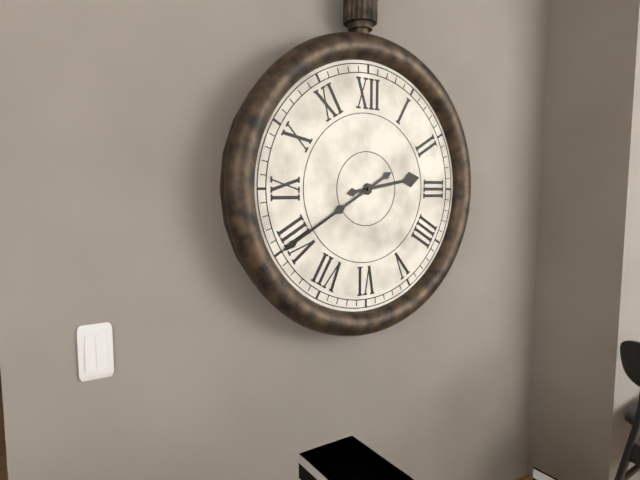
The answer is 2 h 40 min
